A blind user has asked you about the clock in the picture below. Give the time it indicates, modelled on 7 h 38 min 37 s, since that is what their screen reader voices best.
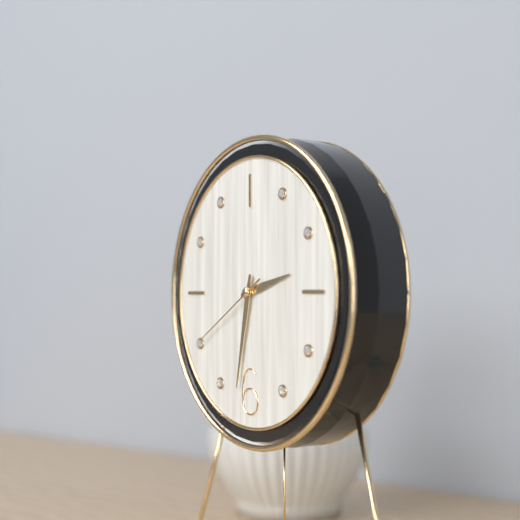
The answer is 2 h 32 min 40 s
